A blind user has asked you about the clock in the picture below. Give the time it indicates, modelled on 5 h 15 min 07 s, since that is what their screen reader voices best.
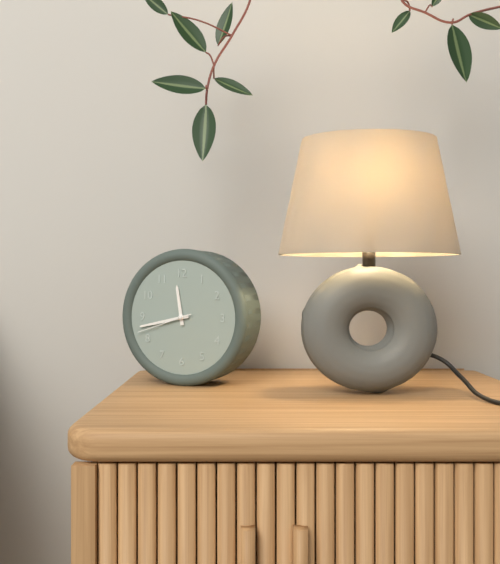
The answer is 11 h 43 min 42 s
